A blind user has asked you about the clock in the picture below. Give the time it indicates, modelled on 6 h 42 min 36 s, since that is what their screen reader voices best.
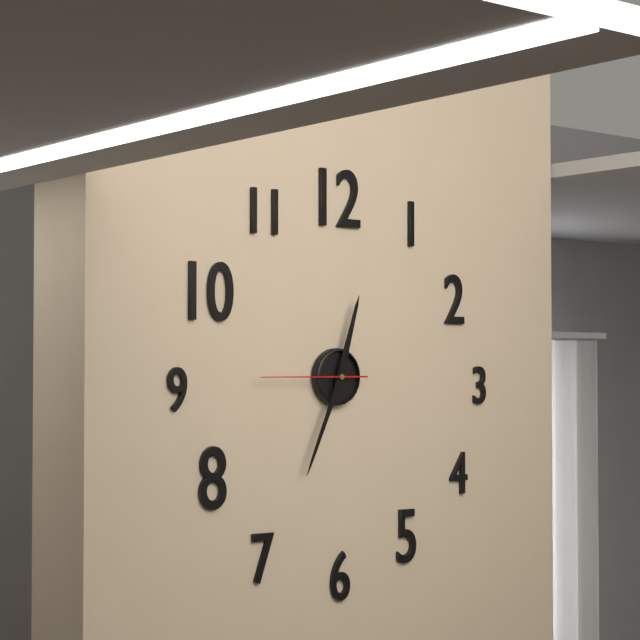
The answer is 12 h 34 min 45 s
